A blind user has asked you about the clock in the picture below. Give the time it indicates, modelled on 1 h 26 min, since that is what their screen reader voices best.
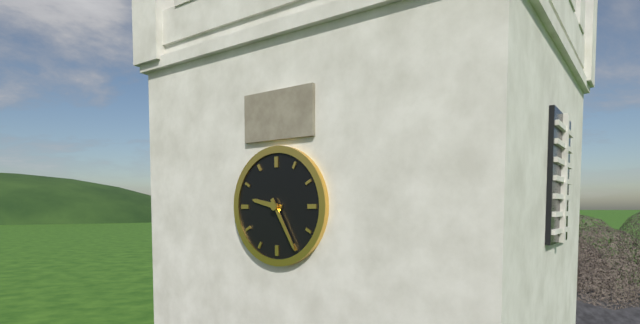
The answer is 9 h 25 min
